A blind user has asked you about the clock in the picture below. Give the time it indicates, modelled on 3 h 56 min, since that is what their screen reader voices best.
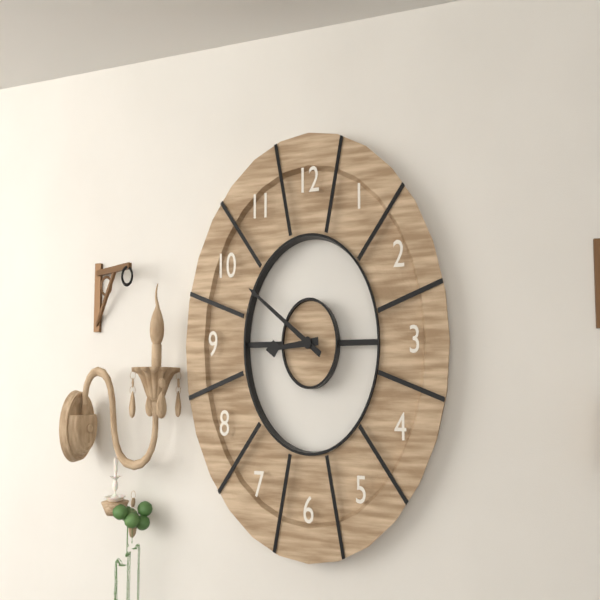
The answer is 8 h 50 min
